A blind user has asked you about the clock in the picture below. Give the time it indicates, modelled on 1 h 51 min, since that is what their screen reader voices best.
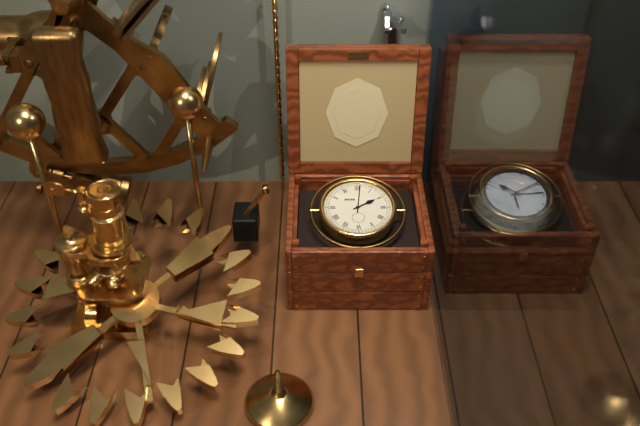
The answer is 2 h 01 min
